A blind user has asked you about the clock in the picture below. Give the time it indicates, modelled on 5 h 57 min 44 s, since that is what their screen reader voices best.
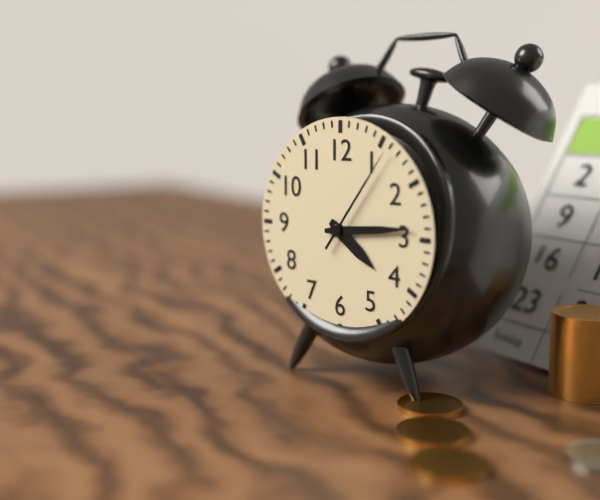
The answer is 4 h 14 min 06 s
